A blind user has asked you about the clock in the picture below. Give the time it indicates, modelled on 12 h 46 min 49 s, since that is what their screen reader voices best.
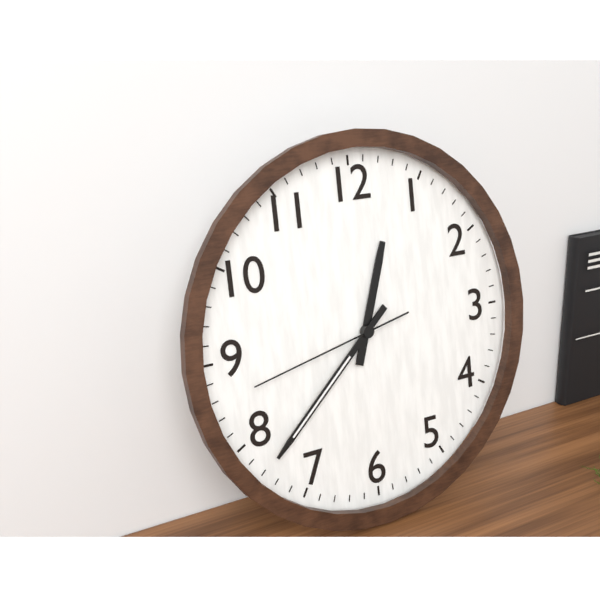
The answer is 12 h 38 min 43 s
